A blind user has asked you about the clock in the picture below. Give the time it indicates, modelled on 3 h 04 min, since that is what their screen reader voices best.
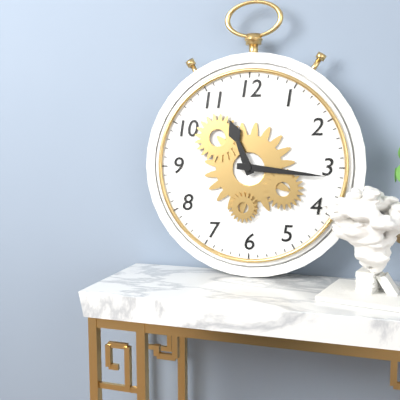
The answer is 11 h 16 min
